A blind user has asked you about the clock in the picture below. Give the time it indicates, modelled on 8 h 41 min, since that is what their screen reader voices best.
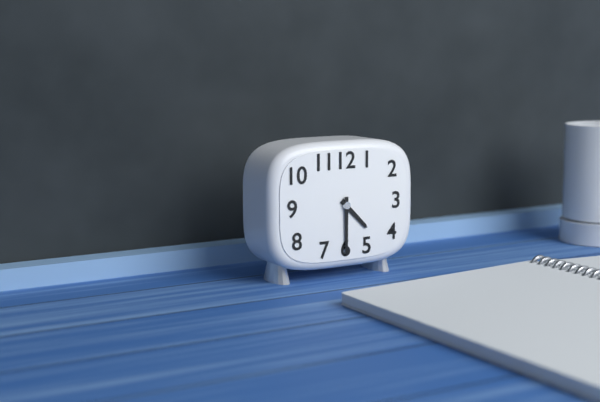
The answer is 4 h 30 min
